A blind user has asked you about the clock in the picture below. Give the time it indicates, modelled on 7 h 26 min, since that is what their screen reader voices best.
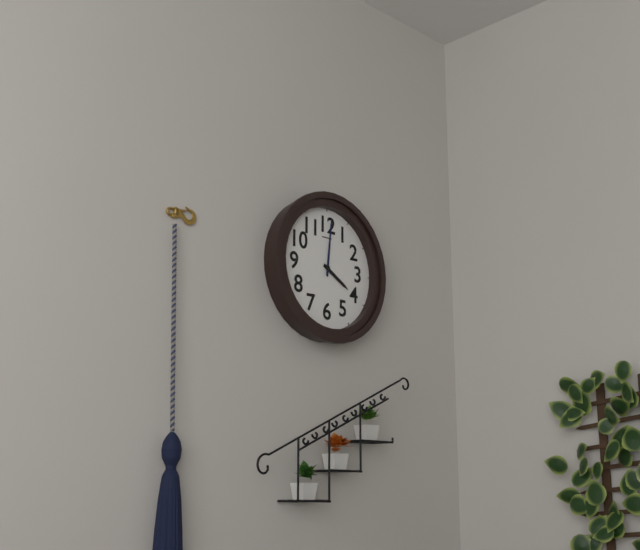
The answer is 4 h 01 min
